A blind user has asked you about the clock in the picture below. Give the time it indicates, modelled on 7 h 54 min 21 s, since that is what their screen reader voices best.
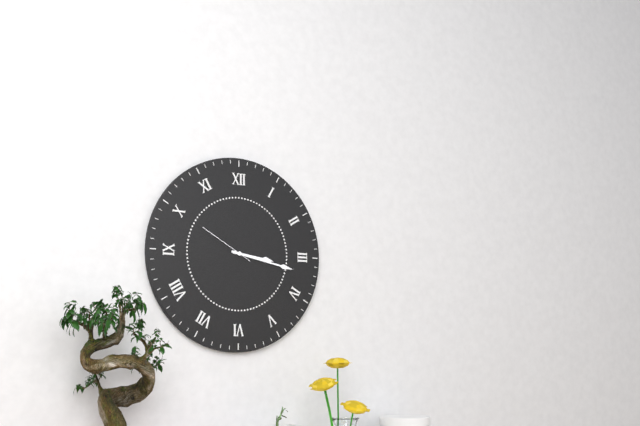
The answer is 3 h 17 min 50 s
